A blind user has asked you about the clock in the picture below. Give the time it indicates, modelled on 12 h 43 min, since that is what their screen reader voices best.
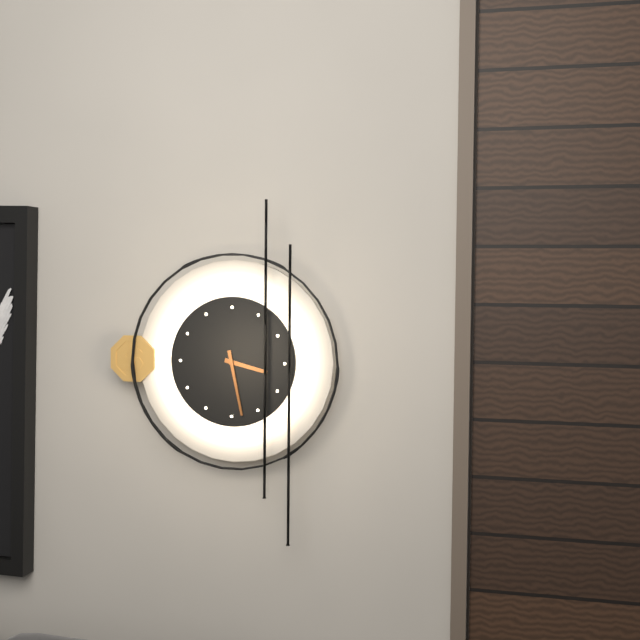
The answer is 3 h 28 min
